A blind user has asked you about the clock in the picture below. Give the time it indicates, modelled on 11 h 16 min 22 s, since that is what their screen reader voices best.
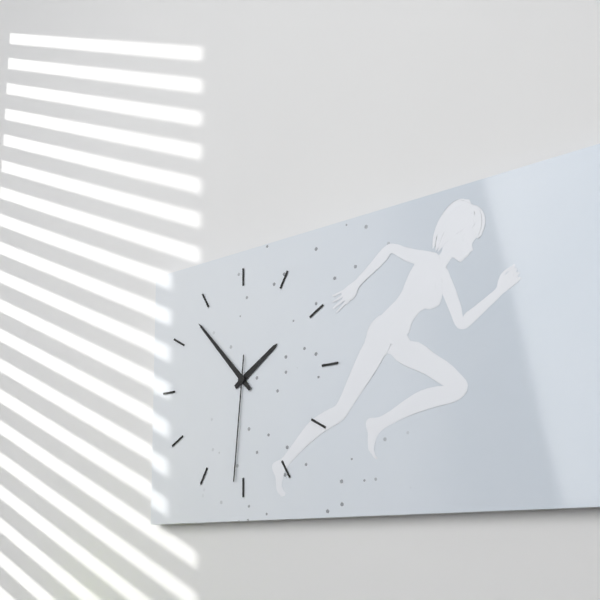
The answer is 1 h 53 min 31 s
